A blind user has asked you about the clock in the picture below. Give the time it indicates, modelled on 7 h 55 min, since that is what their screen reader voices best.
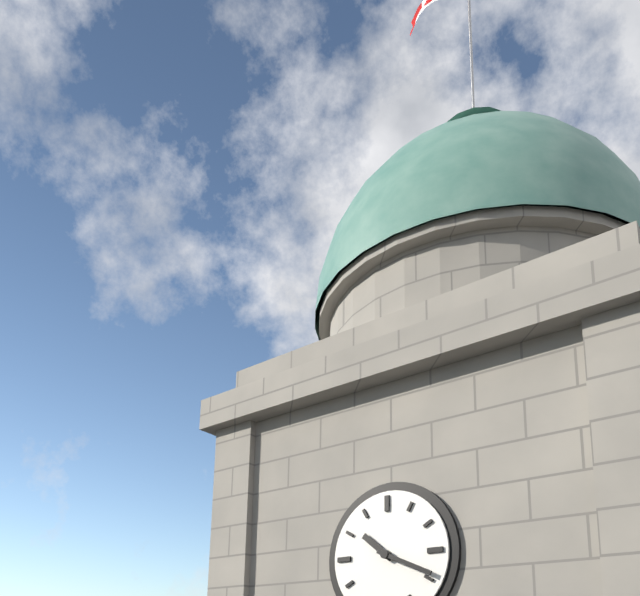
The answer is 10 h 19 min
